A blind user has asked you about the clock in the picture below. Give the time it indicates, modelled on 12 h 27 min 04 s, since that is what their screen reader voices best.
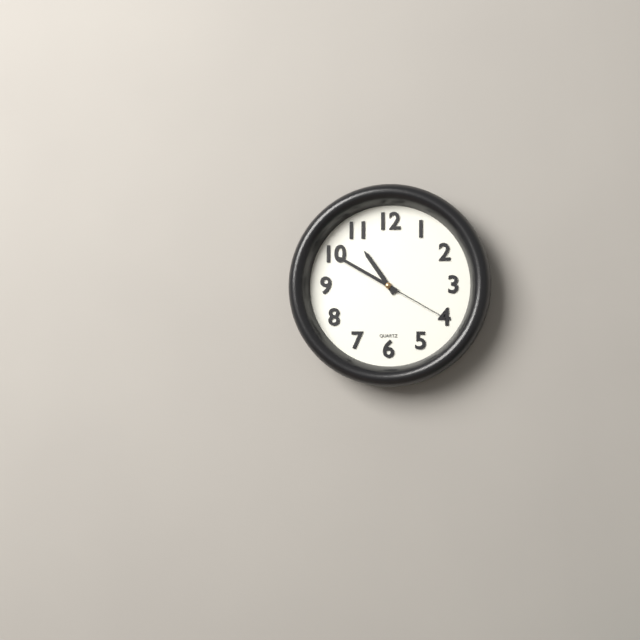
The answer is 10 h 50 min 20 s
